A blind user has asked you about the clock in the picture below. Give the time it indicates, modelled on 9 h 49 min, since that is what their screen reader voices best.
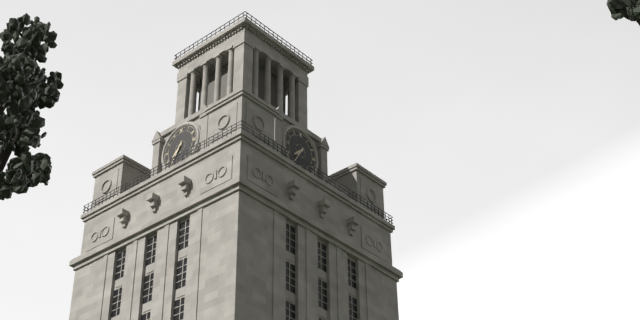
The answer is 7 h 35 min
